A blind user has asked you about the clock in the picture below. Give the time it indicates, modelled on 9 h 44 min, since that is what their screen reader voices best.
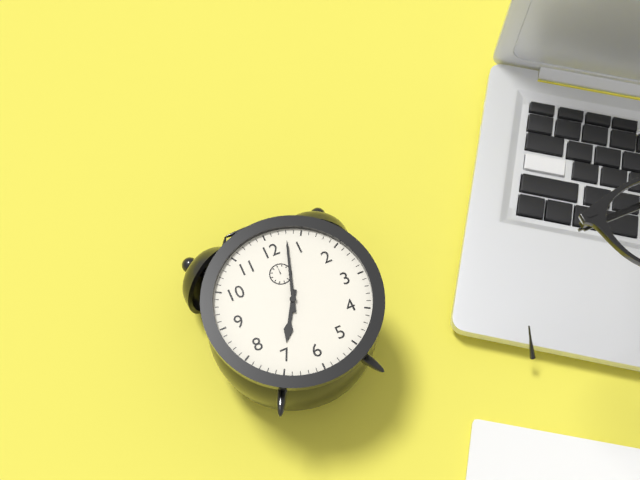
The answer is 7 h 03 min
